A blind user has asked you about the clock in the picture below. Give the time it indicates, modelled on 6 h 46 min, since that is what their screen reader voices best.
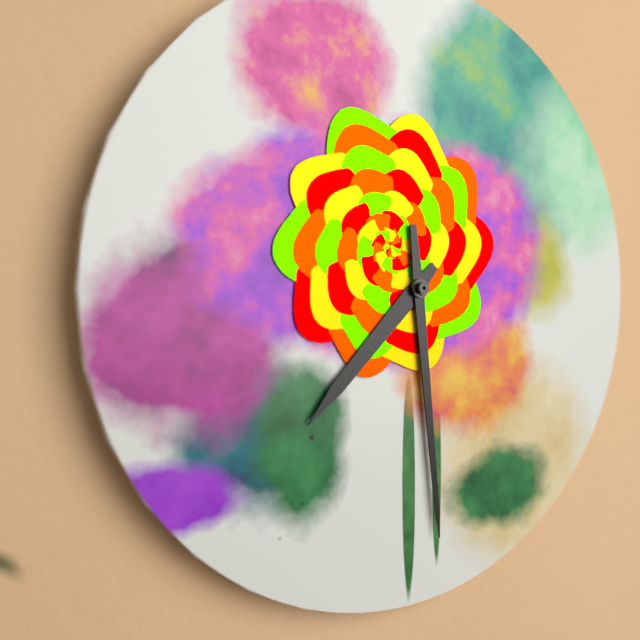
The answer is 7 h 29 min
